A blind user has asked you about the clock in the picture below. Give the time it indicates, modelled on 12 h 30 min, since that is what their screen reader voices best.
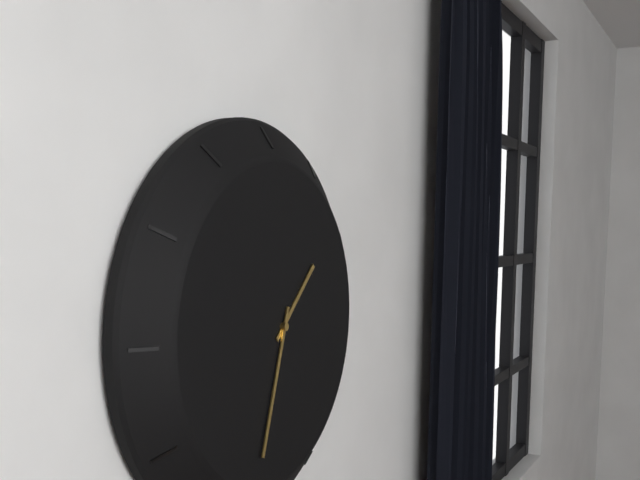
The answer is 1 h 33 min
